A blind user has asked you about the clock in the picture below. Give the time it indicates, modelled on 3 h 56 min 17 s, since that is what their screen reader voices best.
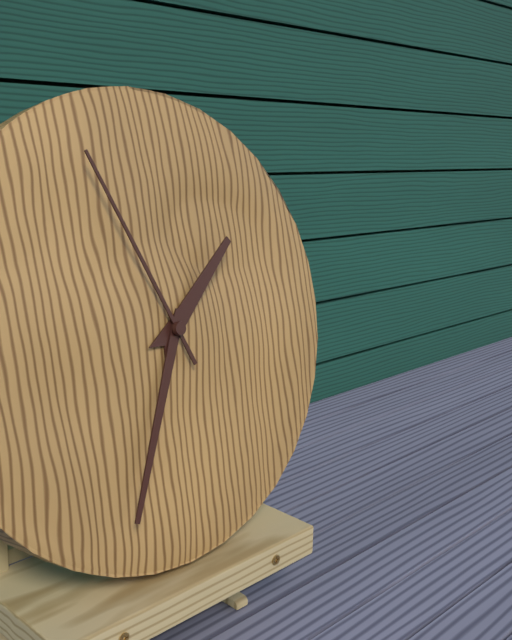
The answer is 1 h 34 min 56 s
